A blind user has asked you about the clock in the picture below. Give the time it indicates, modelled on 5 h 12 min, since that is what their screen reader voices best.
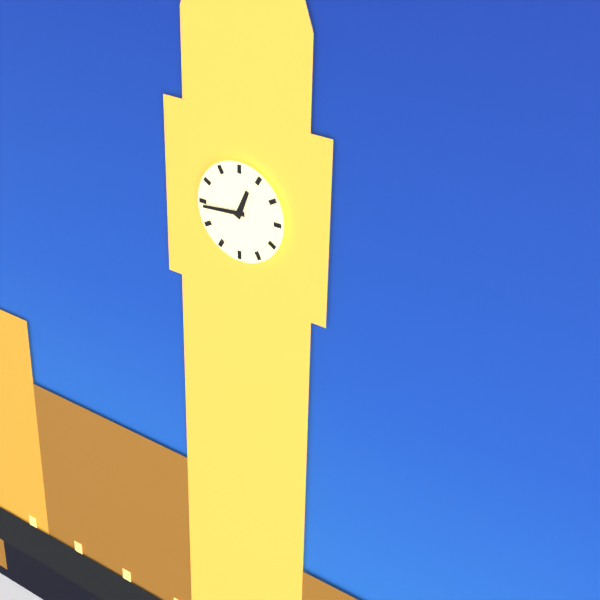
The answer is 12 h 44 min
